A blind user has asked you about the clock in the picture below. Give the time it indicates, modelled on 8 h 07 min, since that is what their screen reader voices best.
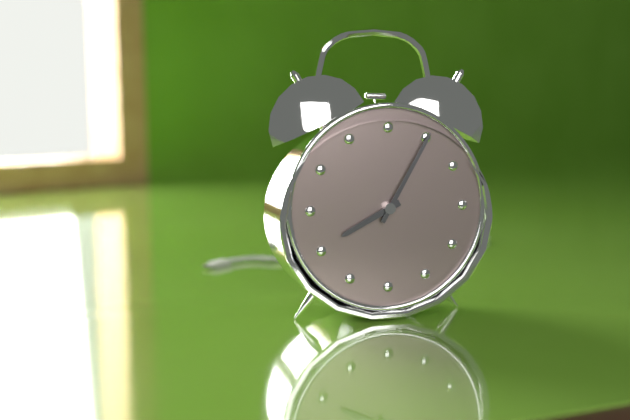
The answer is 8 h 05 min
